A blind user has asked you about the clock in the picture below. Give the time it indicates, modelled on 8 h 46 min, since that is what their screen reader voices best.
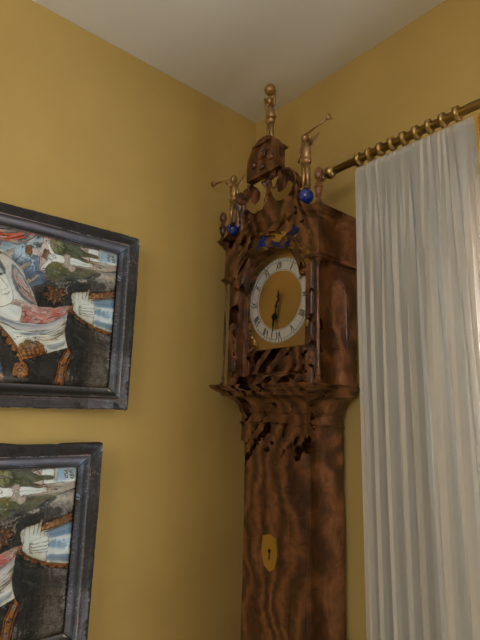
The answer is 6 h 32 min
